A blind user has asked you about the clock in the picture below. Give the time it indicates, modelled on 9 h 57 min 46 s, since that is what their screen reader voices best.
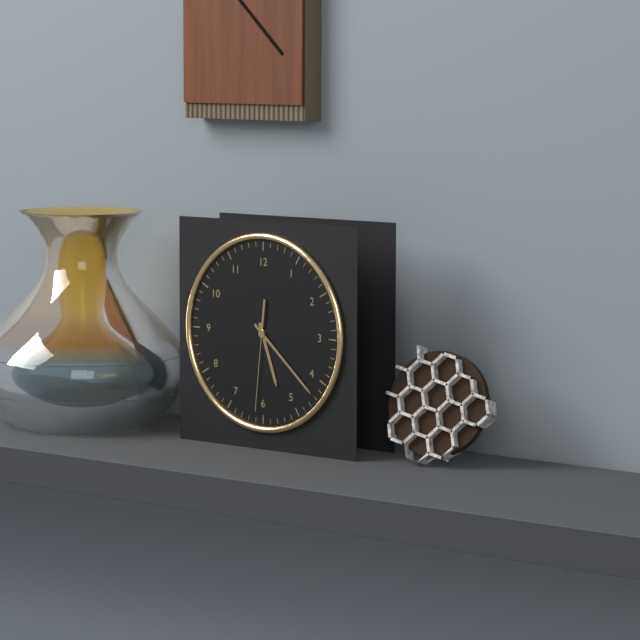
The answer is 5 h 22 min 31 s
